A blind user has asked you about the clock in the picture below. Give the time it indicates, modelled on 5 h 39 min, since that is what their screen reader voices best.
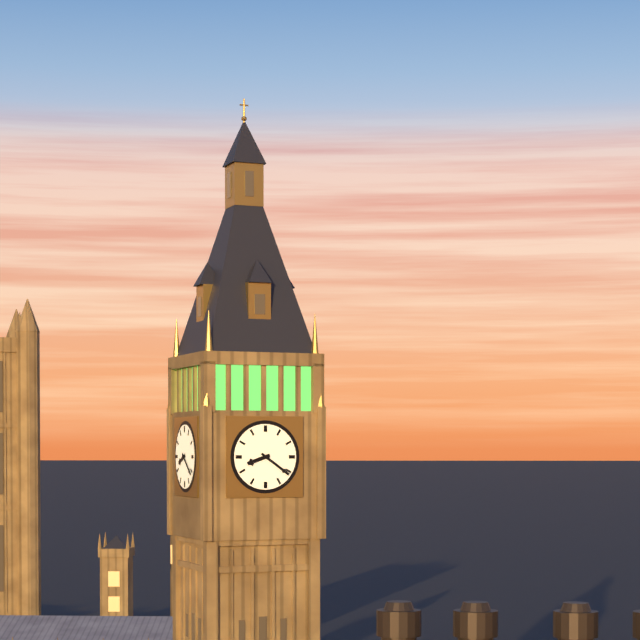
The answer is 8 h 21 min
